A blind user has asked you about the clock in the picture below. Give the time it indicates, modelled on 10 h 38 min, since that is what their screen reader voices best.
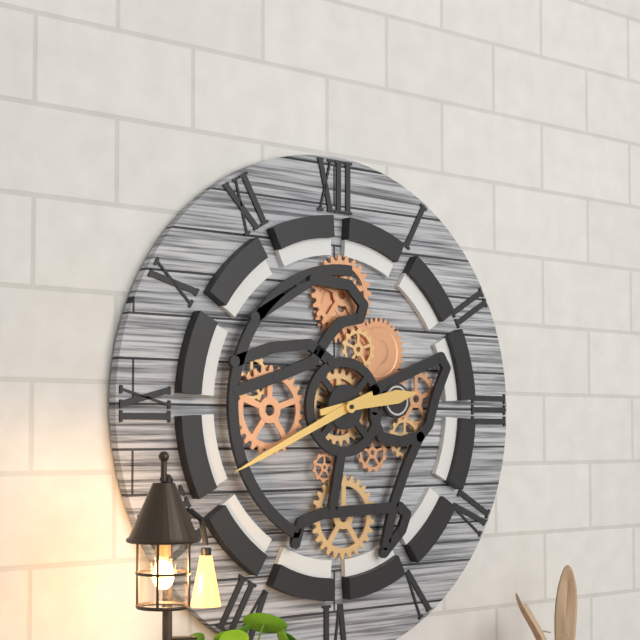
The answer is 2 h 41 min
